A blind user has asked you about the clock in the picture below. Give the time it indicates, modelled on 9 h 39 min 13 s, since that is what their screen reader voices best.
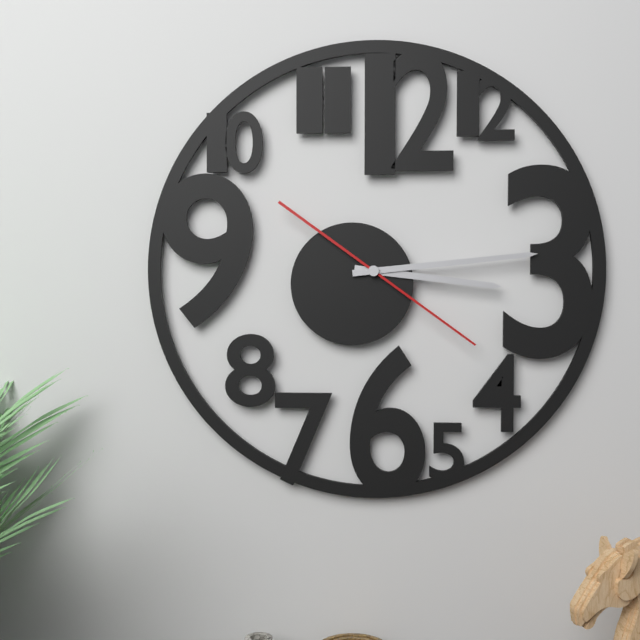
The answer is 3 h 14 min 21 s
